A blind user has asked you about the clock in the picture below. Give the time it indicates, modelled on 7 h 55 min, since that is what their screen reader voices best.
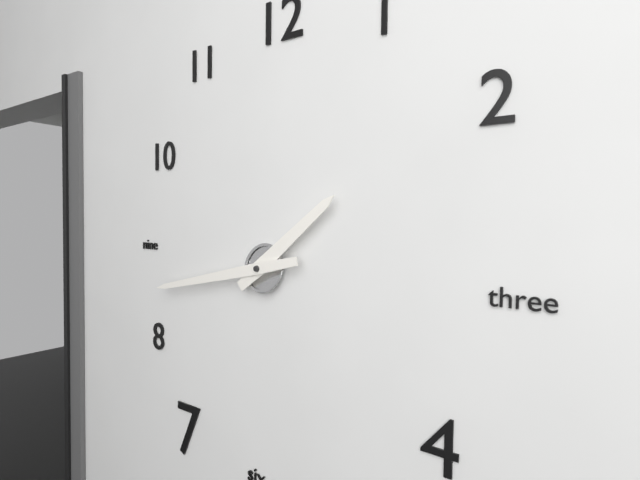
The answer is 1 h 43 min
